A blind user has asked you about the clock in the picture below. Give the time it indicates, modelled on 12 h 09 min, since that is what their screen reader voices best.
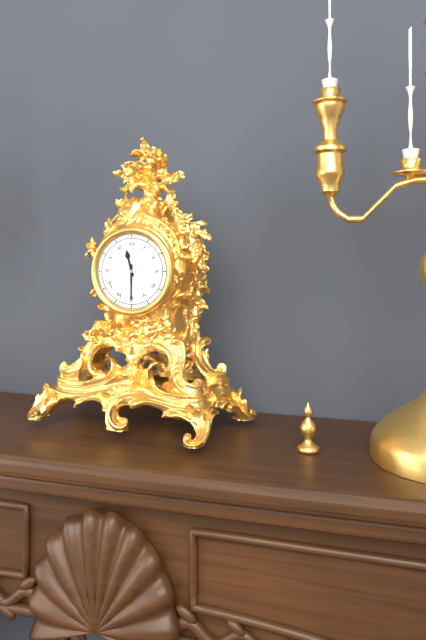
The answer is 11 h 30 min
